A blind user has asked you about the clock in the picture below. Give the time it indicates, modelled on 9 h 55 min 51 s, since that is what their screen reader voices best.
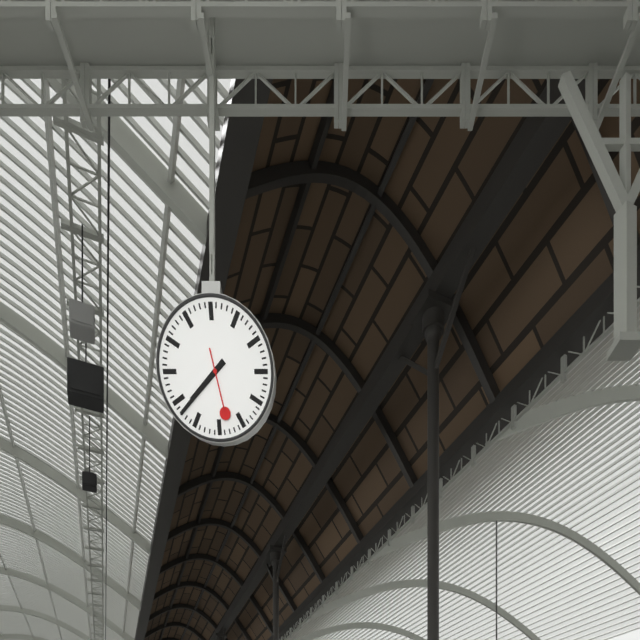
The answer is 7 h 38 min 28 s
